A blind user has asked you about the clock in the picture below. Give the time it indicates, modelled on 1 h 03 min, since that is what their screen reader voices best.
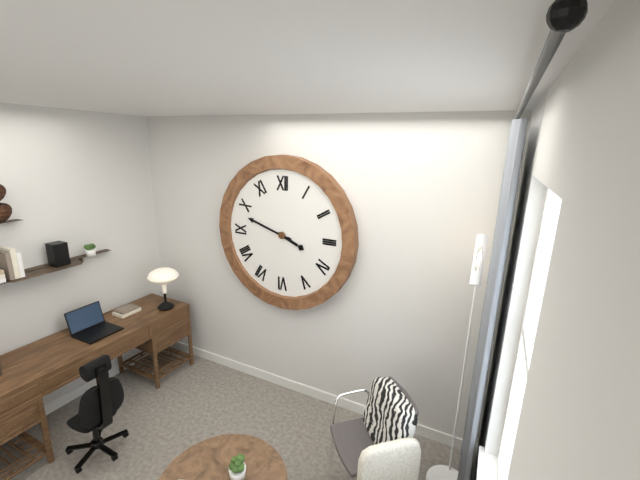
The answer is 3 h 48 min
